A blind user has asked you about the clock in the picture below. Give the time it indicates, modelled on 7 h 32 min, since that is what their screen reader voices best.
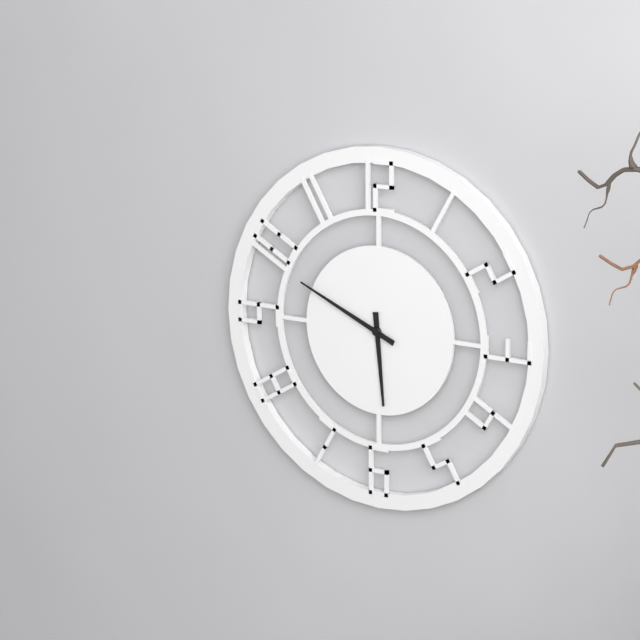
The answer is 5 h 49 min
